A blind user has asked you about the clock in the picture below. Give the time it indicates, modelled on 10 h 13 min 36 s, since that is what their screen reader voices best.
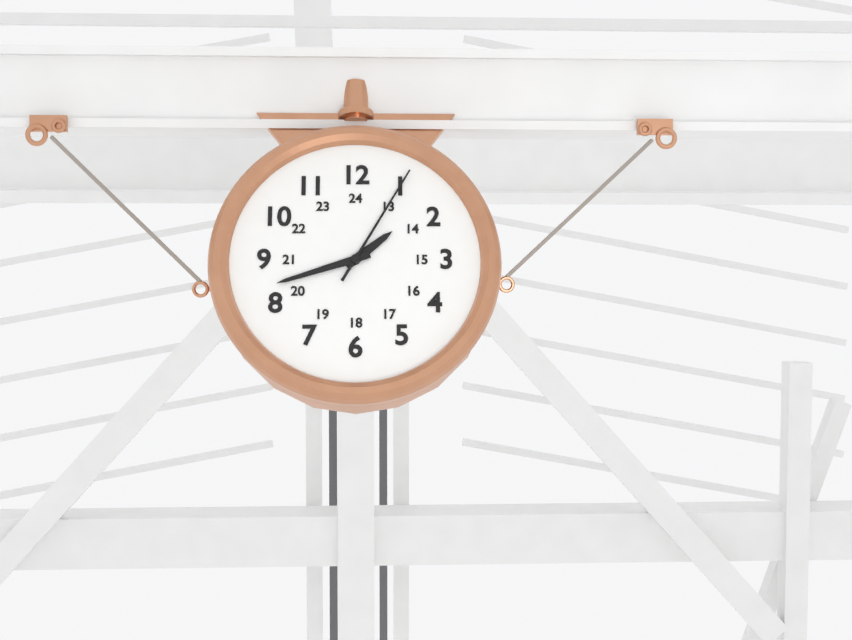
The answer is 1 h 42 min 05 s
